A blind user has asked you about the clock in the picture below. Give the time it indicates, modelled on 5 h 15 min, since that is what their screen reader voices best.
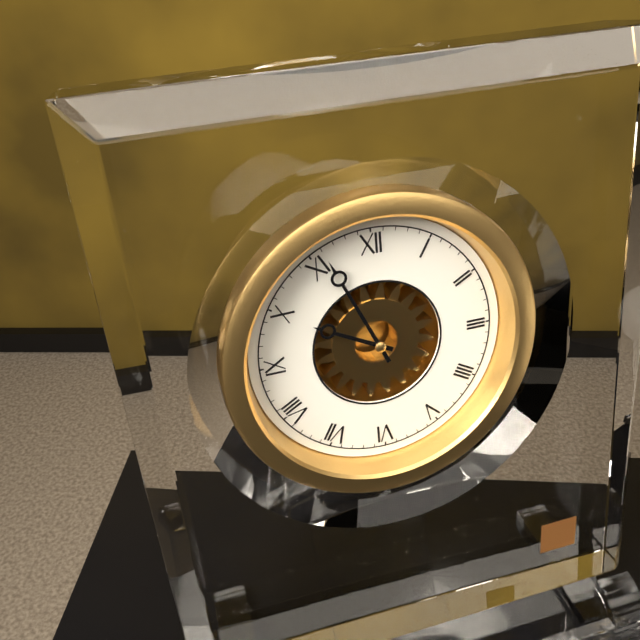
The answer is 9 h 56 min
